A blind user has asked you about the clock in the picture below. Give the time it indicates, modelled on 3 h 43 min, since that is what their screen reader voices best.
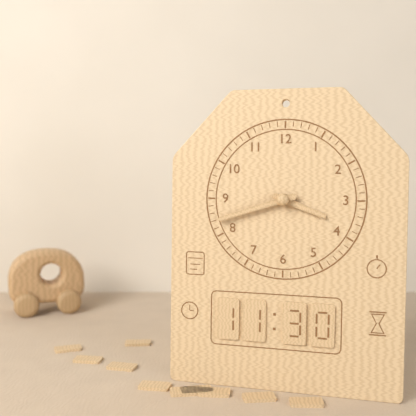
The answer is 3 h 42 min
